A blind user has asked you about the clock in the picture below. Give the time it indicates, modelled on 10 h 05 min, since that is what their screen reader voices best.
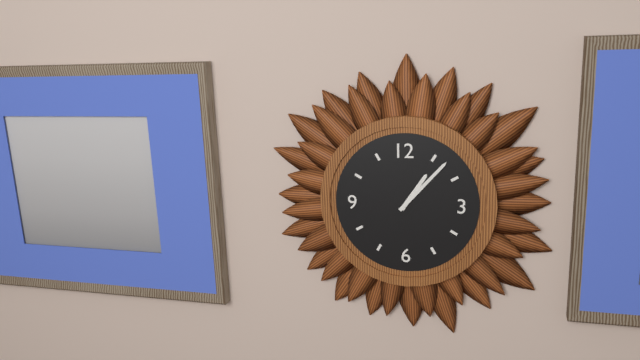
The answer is 1 h 07 min
